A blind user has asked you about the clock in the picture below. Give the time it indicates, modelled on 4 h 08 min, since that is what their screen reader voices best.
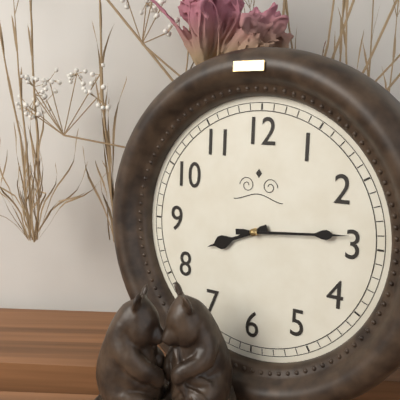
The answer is 8 h 14 min
